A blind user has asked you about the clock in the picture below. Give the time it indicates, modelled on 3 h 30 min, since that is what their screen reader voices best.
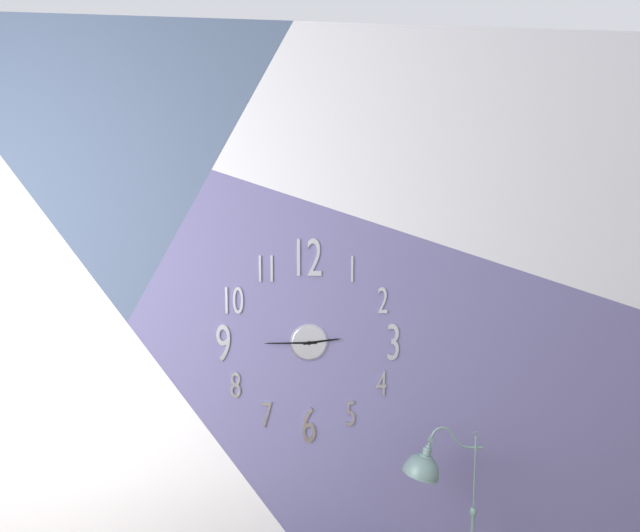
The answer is 2 h 45 min
